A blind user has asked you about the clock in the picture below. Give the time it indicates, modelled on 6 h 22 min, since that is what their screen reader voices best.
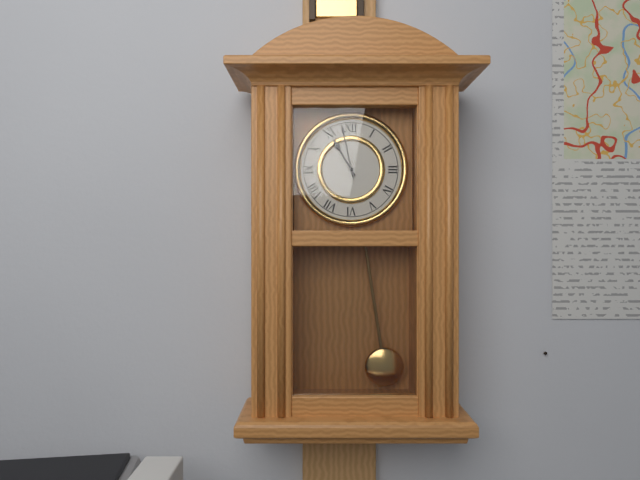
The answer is 10 h 58 min
